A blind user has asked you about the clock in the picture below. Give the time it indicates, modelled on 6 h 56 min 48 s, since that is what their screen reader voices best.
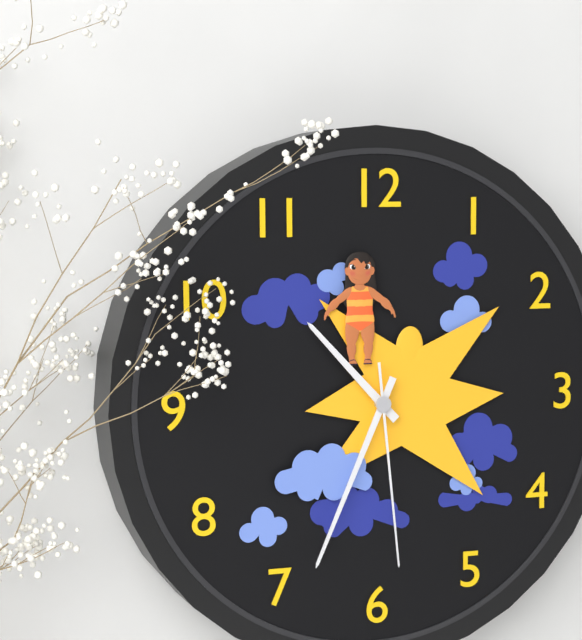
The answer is 10 h 34 min 29 s
